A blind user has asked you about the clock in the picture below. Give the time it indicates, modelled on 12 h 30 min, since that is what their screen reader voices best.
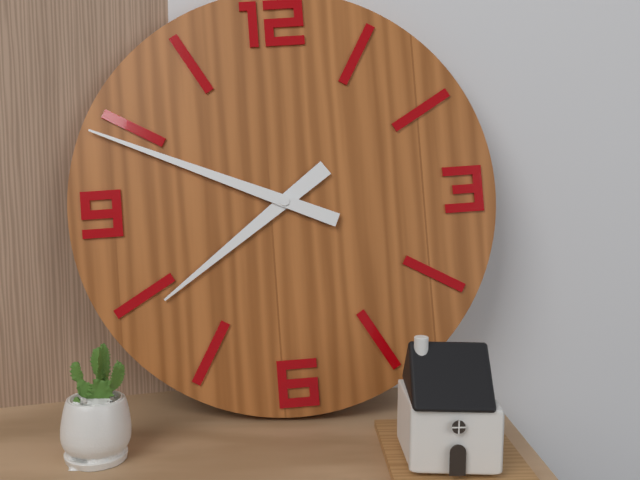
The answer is 7 h 49 min
